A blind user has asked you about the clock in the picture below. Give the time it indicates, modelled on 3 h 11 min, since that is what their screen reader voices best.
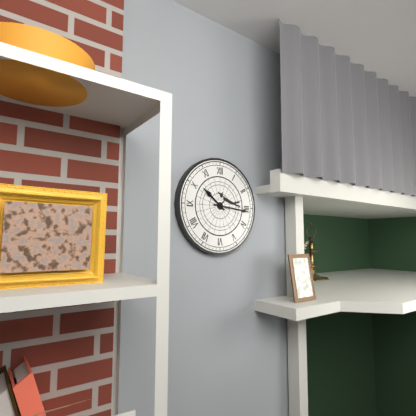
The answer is 10 h 16 min
